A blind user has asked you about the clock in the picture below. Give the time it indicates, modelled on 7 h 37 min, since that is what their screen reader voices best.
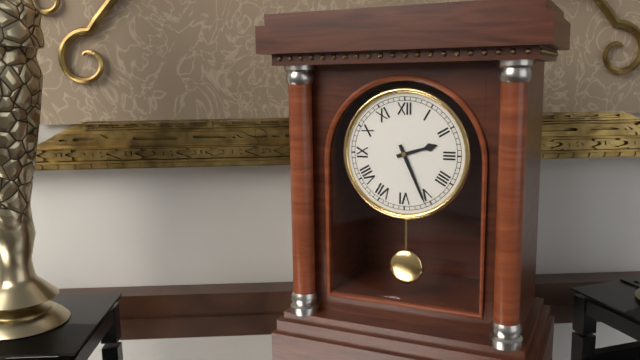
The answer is 2 h 26 min
